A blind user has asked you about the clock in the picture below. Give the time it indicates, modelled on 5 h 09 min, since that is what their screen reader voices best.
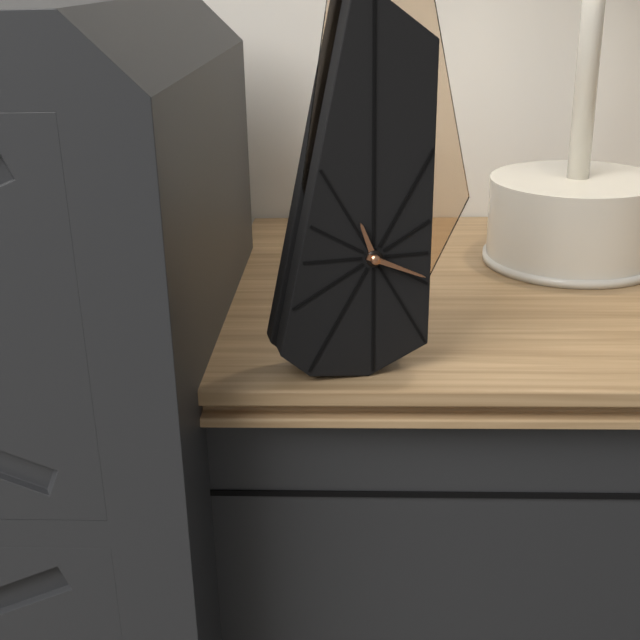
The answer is 11 h 19 min
